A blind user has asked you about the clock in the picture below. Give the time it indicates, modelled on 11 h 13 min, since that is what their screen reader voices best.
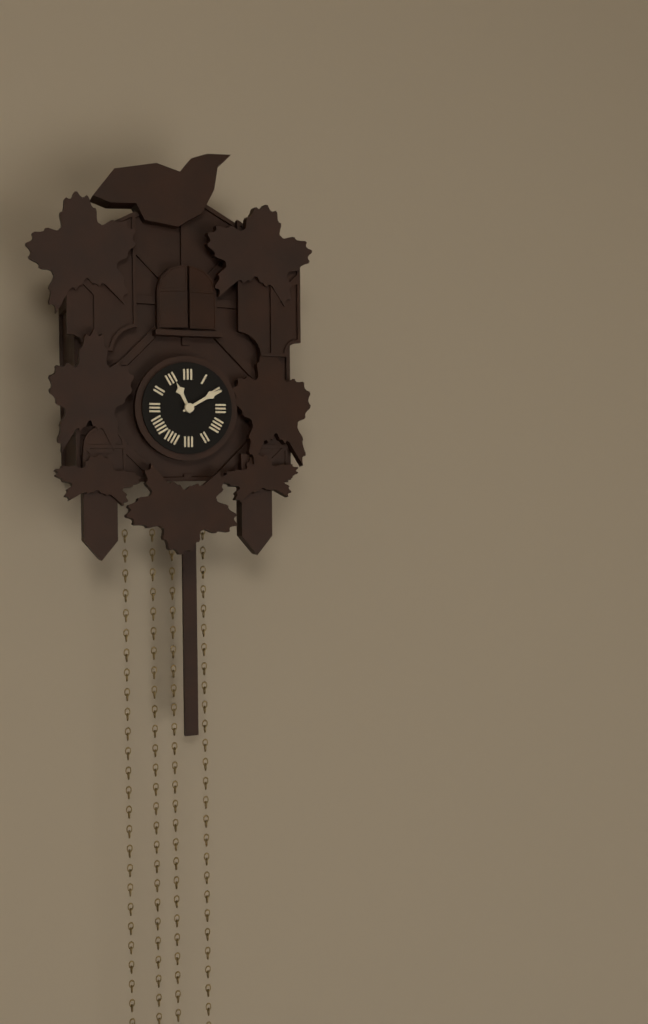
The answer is 11 h 10 min
